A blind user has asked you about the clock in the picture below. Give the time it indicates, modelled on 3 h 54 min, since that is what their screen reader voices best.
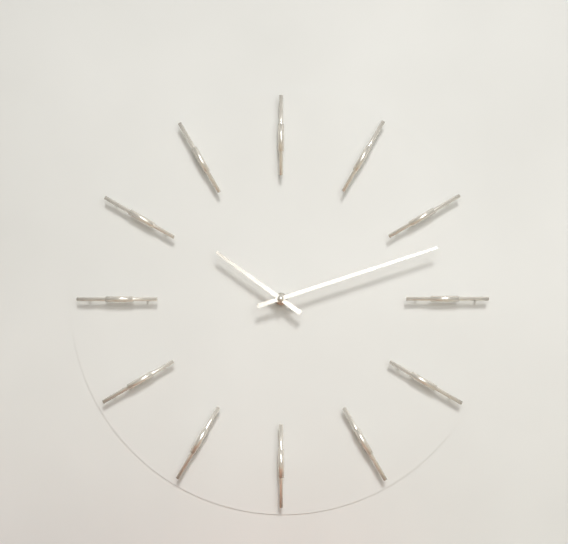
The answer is 10 h 12 min
